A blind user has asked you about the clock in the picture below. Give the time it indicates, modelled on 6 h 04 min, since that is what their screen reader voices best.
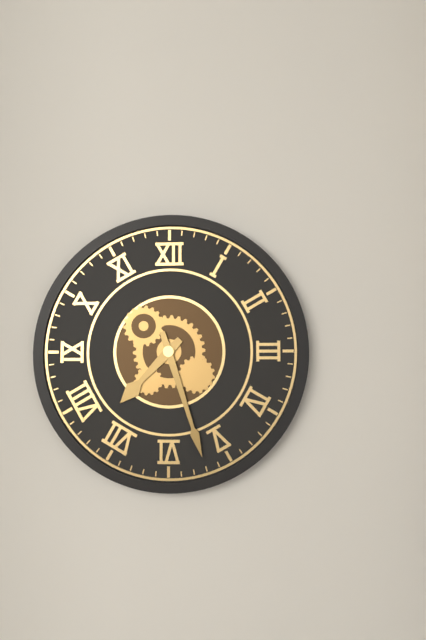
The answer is 7 h 27 min
